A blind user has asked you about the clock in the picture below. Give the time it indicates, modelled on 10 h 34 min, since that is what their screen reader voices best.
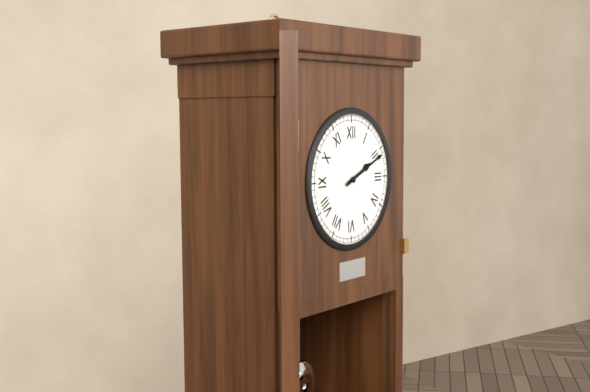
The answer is 2 h 11 min
